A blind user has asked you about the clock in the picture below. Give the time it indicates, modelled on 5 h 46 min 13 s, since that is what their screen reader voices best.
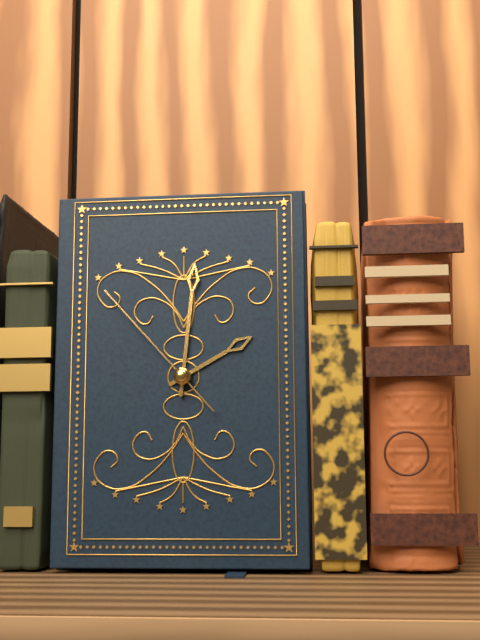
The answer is 2 h 01 min 53 s
